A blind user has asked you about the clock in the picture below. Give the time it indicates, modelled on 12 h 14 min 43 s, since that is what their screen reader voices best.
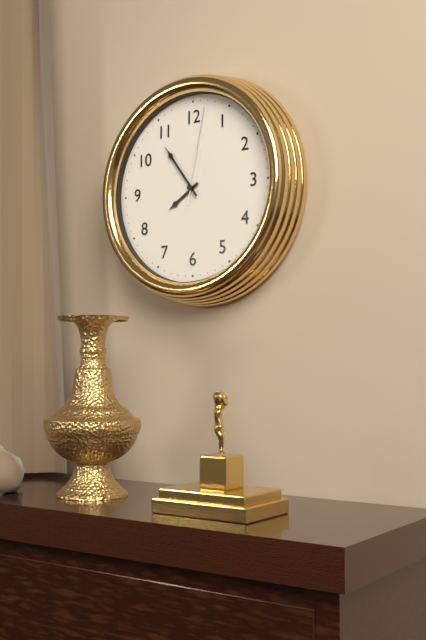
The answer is 7 h 54 min 02 s
